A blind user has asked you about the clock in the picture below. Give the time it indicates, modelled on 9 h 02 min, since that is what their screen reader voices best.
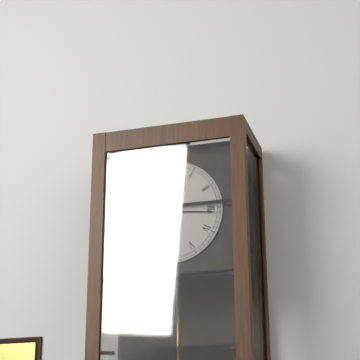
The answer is 12 h 16 min
